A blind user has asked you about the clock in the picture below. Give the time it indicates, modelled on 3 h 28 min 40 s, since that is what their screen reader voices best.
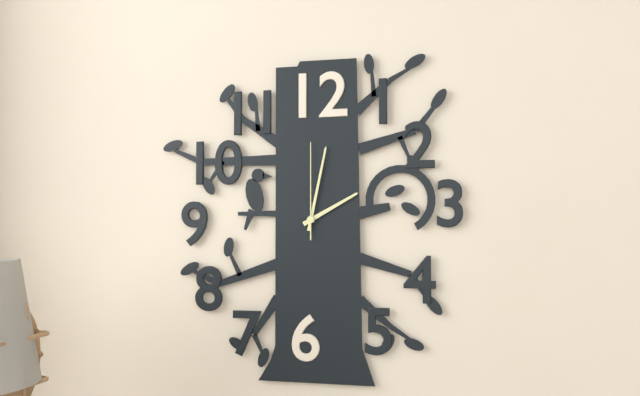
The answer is 2 h 02 min 00 s
